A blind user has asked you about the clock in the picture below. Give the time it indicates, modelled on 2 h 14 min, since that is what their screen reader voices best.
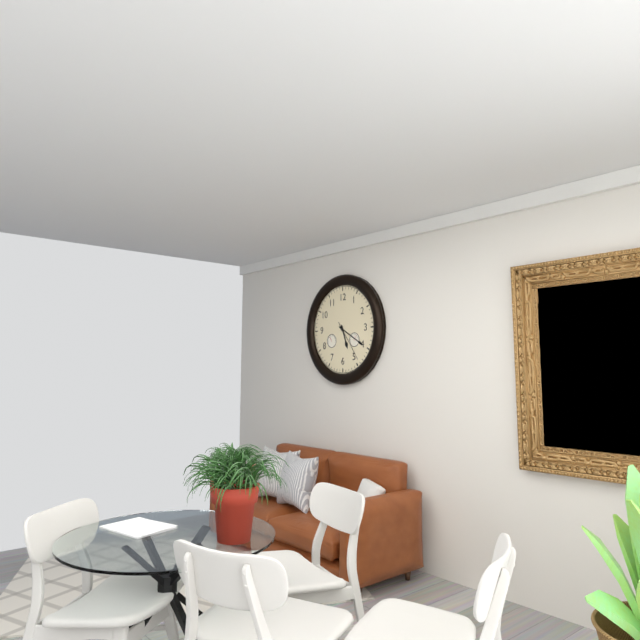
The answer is 5 h 20 min
